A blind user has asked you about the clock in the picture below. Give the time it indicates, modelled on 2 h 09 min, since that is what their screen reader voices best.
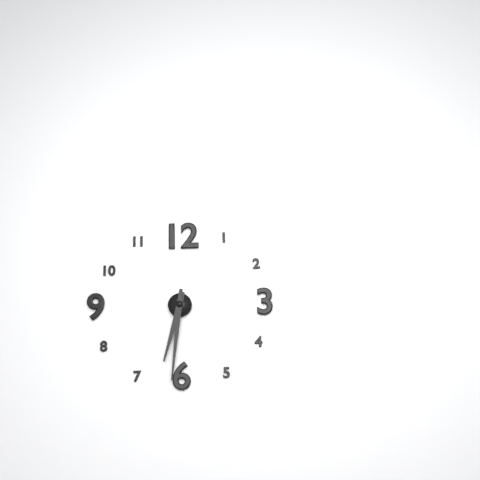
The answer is 6 h 31 min
